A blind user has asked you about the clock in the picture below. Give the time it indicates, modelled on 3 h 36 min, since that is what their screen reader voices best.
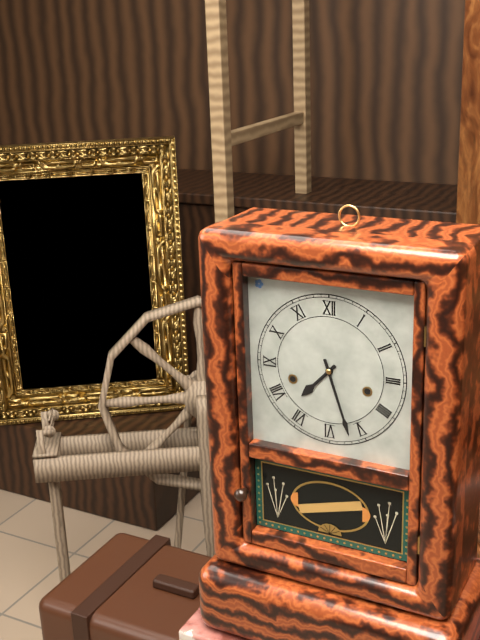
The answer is 7 h 27 min
